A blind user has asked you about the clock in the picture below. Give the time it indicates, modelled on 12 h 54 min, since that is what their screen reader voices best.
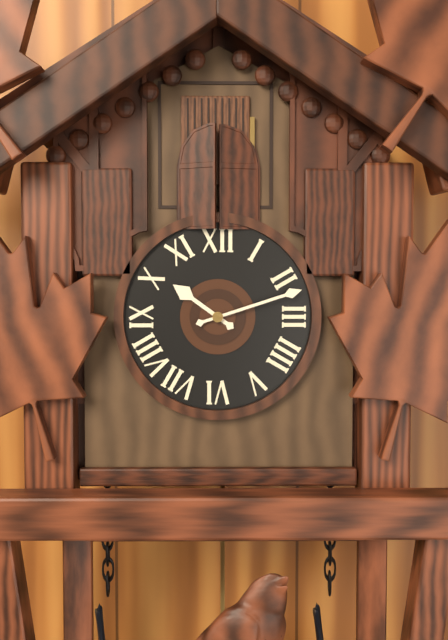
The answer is 10 h 12 min
